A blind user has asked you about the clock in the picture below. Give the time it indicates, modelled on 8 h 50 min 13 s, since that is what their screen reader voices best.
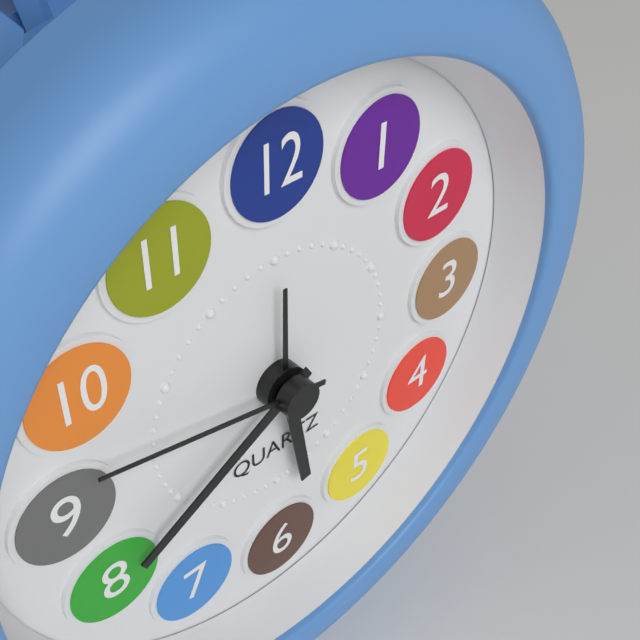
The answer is 5 h 40 min 47 s
